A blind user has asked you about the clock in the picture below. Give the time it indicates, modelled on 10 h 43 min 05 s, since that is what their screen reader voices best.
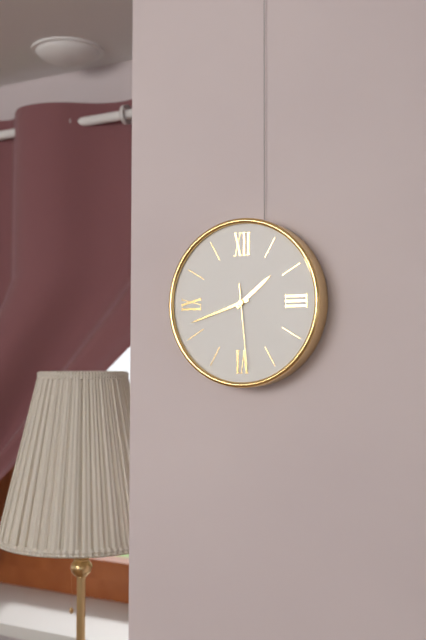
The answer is 1 h 42 min 29 s
